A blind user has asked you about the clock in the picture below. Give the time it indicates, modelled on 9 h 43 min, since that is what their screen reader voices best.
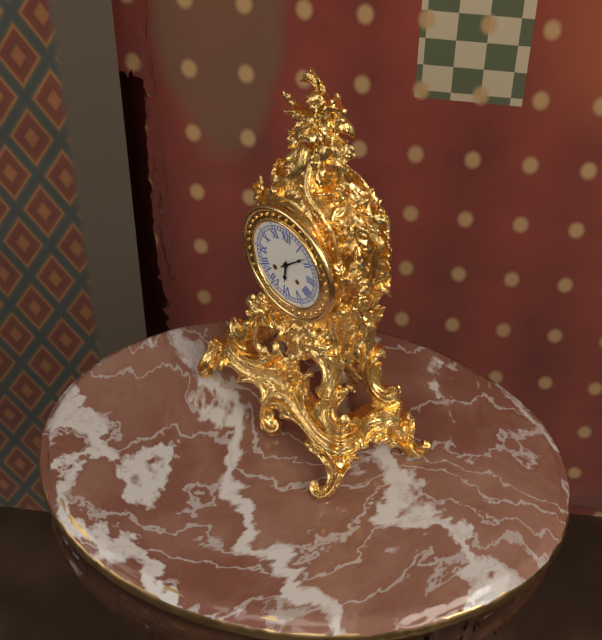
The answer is 6 h 08 min
